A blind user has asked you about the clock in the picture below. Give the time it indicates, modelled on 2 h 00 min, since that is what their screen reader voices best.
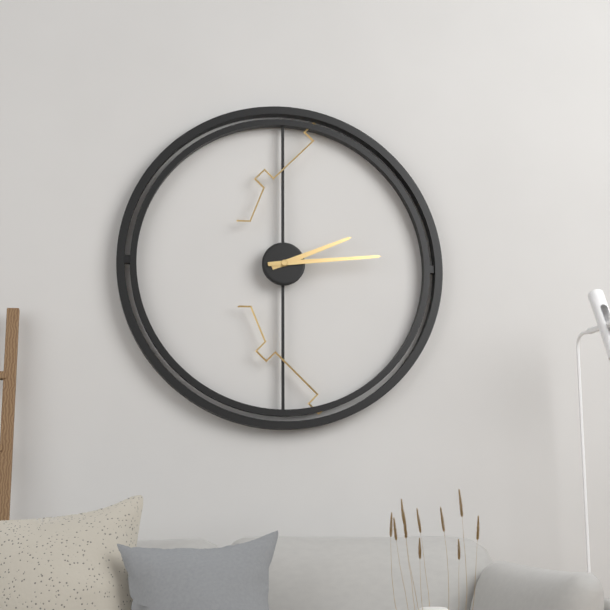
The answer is 2 h 14 min
